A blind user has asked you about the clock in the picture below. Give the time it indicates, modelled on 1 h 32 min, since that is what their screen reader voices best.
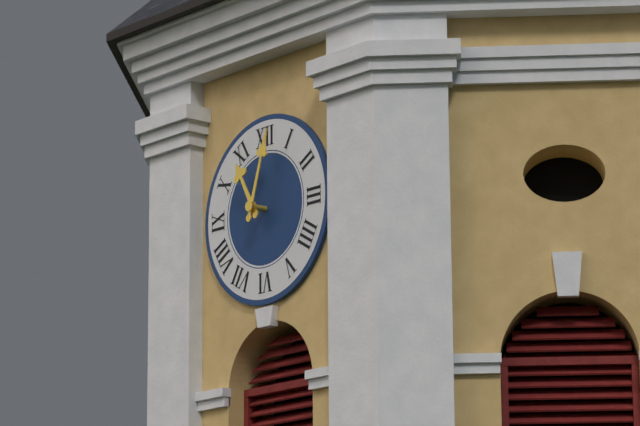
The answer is 11 h 03 min
